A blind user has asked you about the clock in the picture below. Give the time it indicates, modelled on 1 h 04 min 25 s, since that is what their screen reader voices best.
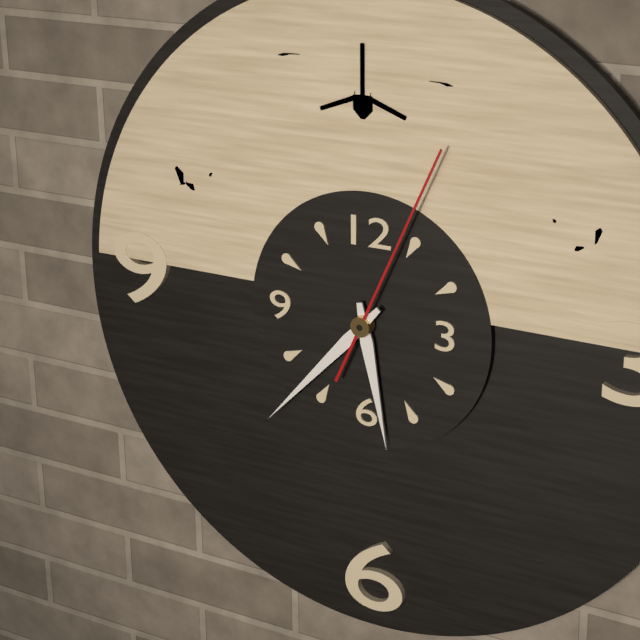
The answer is 5 h 37 min 04 s
